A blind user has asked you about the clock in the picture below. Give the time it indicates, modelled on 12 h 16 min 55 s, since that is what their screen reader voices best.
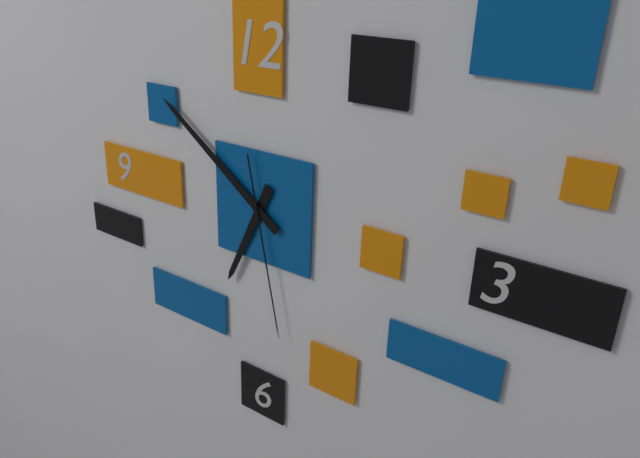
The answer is 6 h 51 min 28 s
